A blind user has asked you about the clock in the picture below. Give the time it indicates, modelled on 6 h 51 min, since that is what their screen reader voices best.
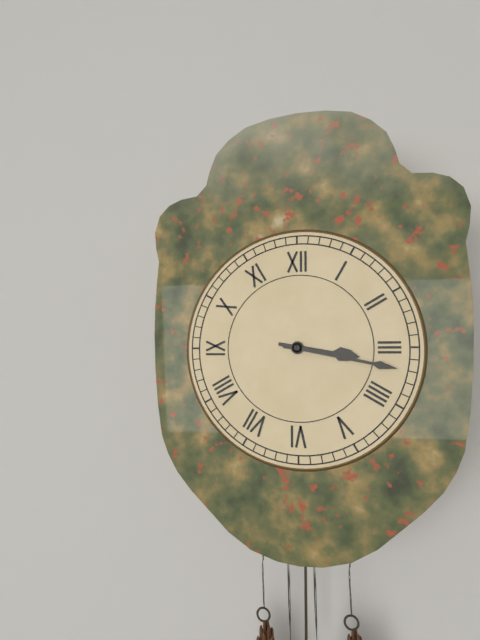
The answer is 3 h 17 min
